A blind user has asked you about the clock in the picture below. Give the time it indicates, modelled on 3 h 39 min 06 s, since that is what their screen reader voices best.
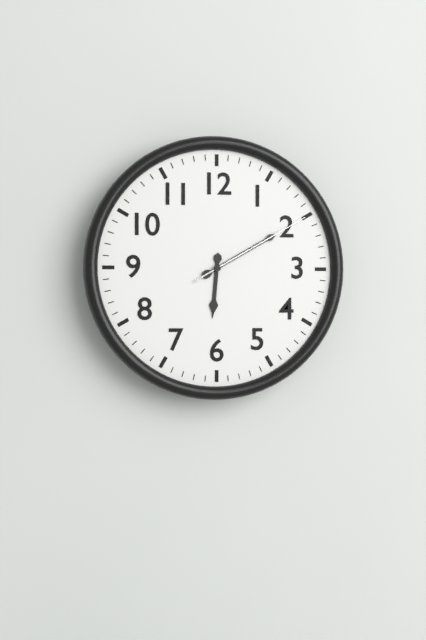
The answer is 6 h 10 min 10 s
